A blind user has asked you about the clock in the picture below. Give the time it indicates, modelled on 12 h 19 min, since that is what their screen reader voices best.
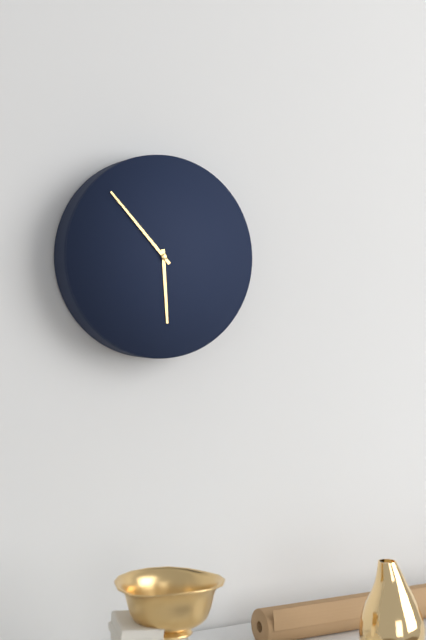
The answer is 5 h 53 min
